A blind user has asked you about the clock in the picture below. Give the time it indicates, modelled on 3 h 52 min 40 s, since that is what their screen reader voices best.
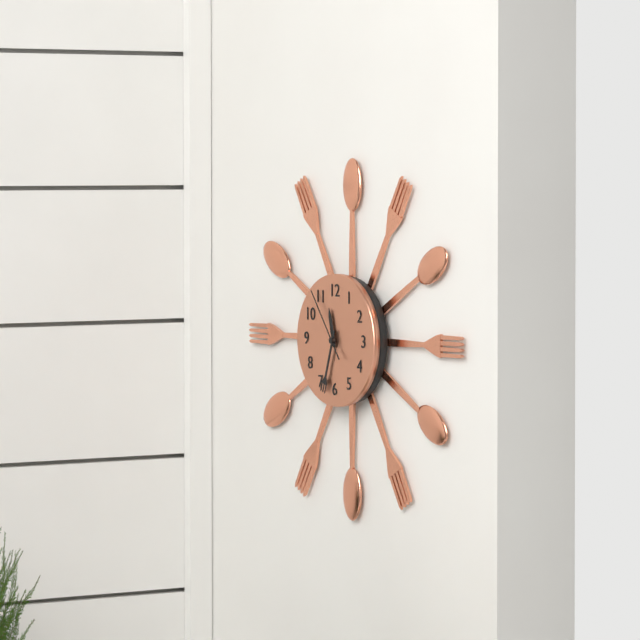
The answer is 11 h 33 min 54 s
